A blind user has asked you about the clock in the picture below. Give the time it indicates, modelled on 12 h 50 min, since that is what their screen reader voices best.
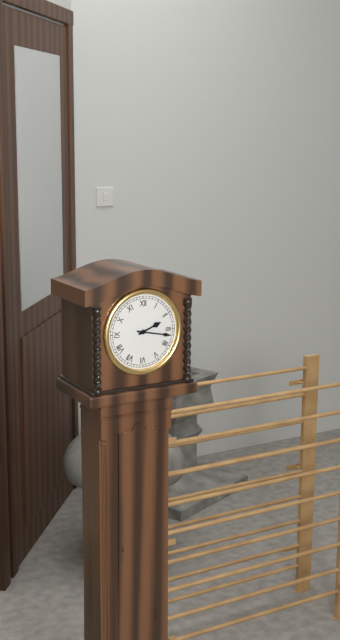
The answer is 2 h 17 min
